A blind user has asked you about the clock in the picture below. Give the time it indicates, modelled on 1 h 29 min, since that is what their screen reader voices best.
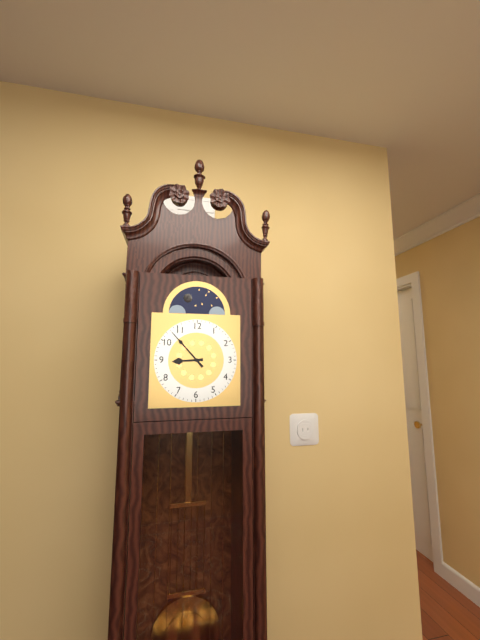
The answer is 8 h 53 min
